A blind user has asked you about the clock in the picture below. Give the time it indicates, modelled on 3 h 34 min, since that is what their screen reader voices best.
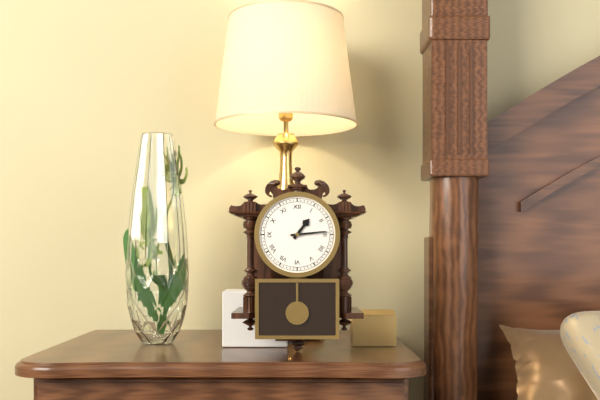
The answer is 1 h 14 min
